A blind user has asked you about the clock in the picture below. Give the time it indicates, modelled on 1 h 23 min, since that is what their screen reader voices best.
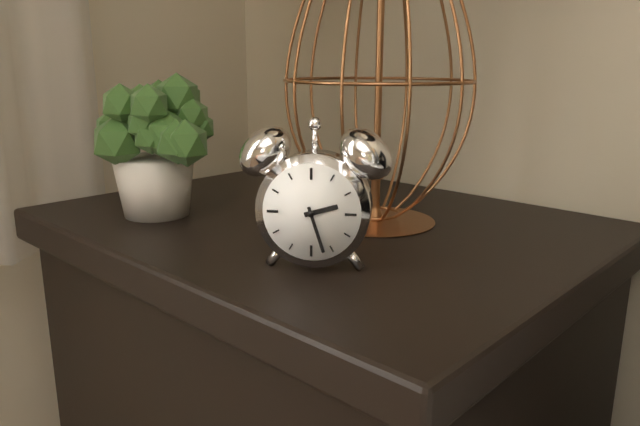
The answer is 2 h 27 min
